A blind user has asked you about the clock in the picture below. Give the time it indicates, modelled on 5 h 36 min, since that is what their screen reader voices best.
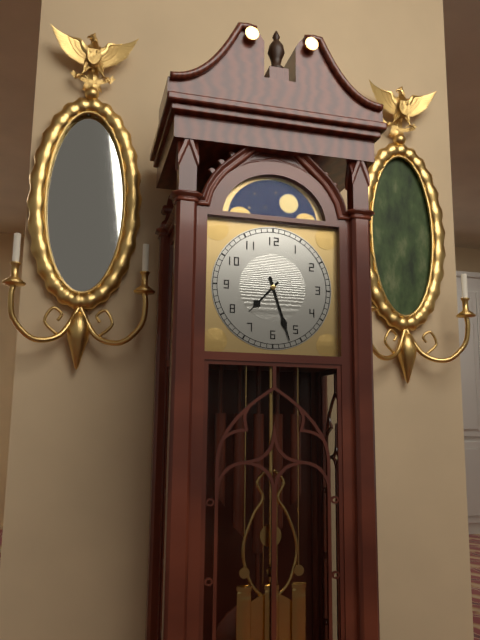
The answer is 7 h 27 min
